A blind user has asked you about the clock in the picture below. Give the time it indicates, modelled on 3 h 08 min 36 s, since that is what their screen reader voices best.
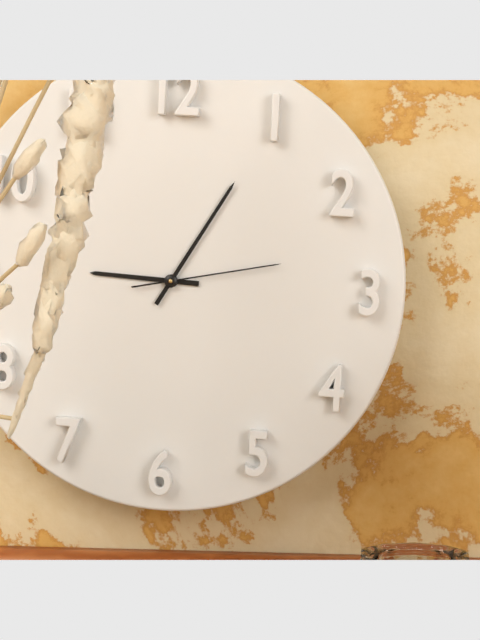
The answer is 9 h 05 min 13 s
